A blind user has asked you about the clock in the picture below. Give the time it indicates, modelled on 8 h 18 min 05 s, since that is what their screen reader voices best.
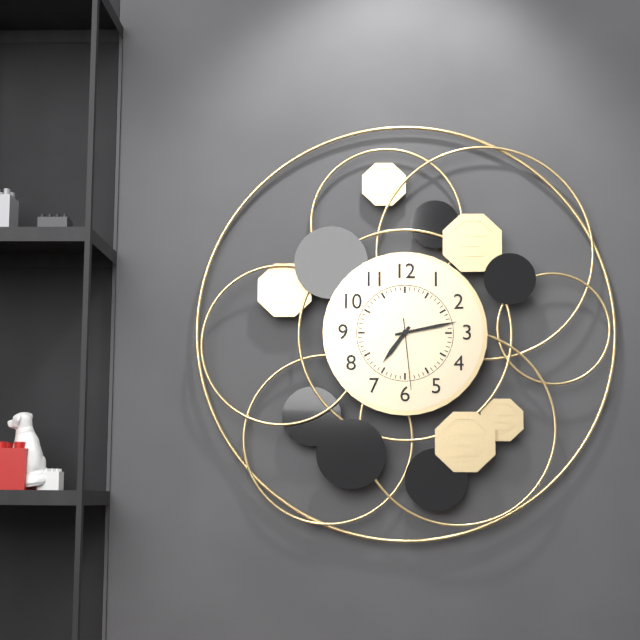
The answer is 7 h 13 min 29 s
